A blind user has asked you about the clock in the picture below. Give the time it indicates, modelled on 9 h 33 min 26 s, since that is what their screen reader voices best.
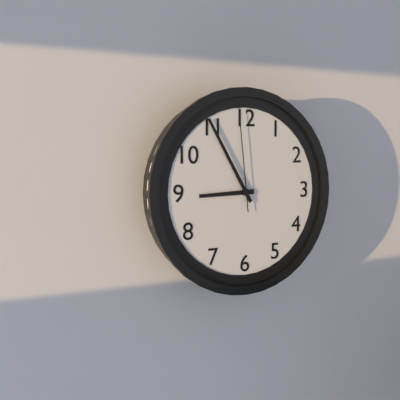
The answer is 8 h 55 min 59 s
